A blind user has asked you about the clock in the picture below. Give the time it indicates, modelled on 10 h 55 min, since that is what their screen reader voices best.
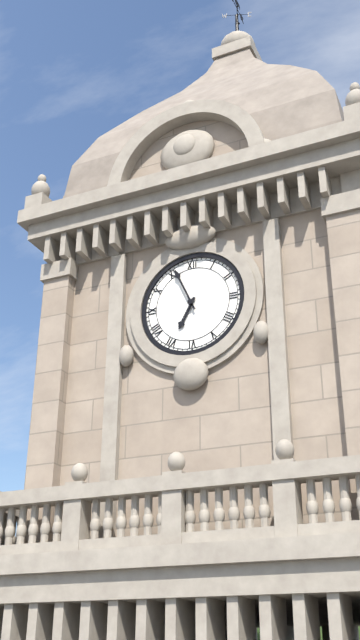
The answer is 6 h 56 min
